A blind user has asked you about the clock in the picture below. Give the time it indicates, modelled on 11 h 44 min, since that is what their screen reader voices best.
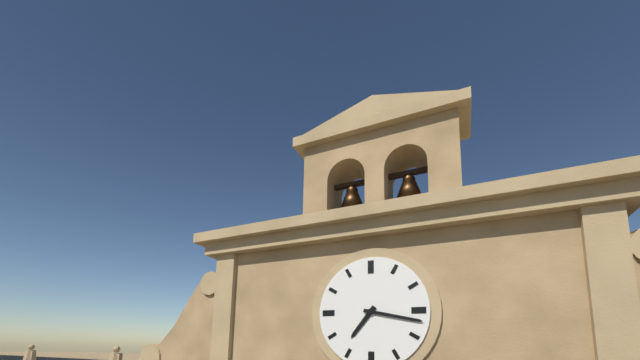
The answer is 7 h 17 min
